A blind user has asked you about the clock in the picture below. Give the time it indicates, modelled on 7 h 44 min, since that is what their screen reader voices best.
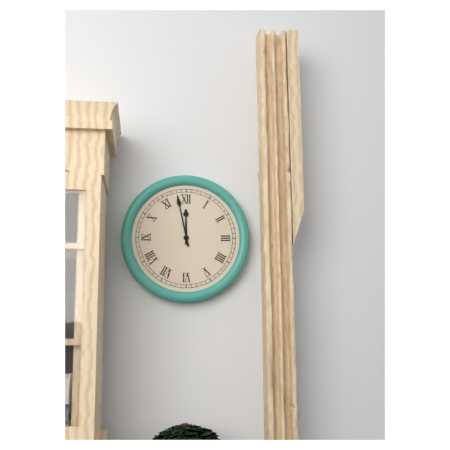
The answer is 11 h 58 min
